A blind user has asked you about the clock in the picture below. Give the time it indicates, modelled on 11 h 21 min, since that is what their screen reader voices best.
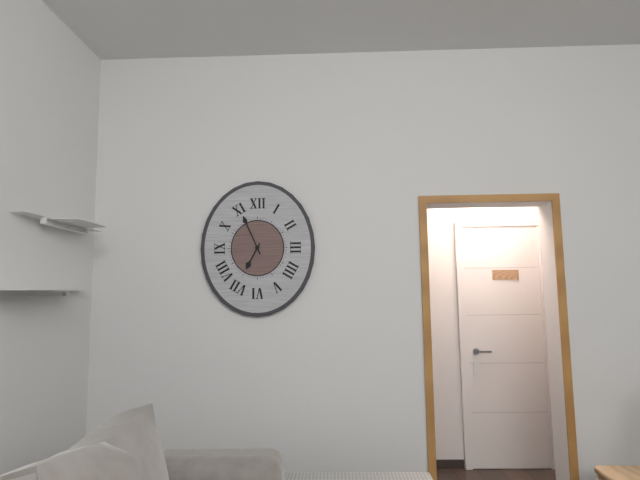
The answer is 6 h 56 min
